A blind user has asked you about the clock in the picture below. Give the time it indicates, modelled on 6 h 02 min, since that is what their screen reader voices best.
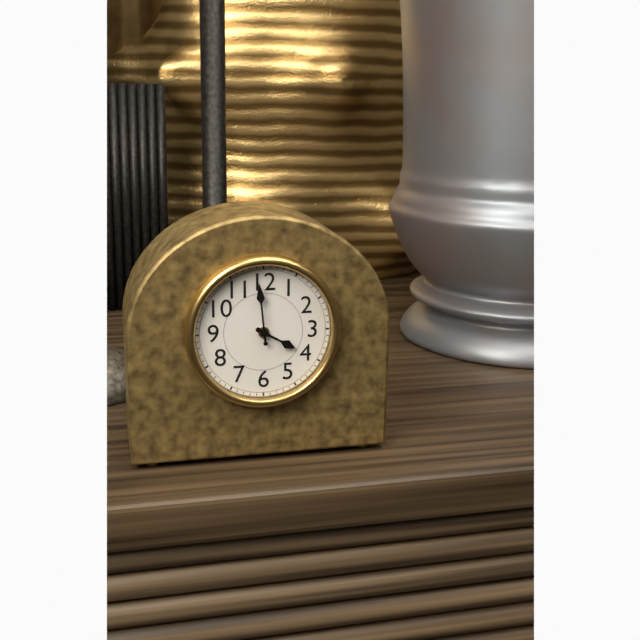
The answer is 3 h 59 min
